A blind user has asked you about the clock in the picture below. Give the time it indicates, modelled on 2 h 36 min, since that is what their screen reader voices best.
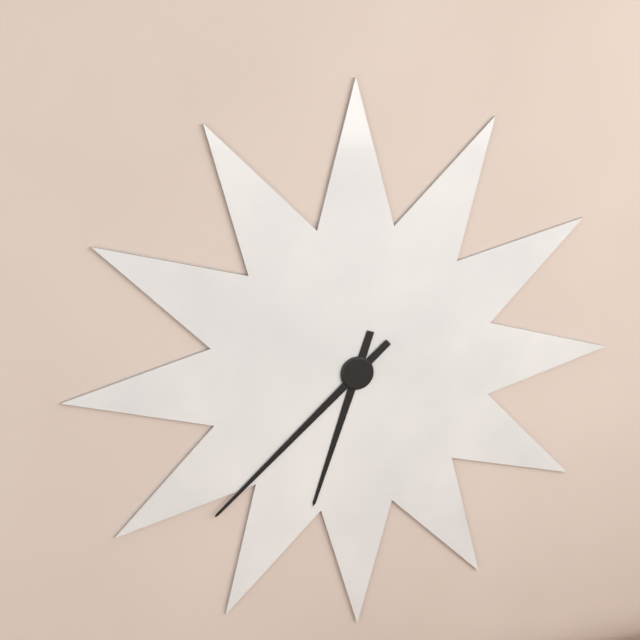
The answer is 6 h 38 min
